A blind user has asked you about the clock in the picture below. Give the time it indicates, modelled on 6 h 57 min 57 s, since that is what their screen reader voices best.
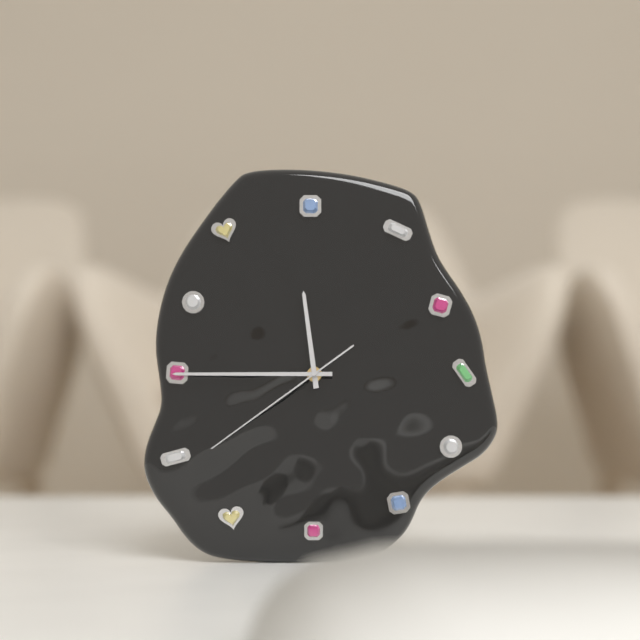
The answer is 11 h 45 min 39 s
